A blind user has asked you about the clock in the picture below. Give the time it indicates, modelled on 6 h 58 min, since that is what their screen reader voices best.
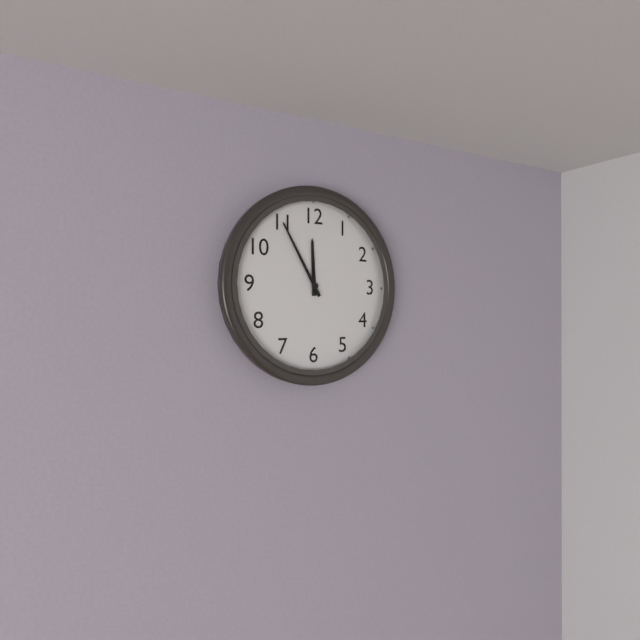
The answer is 11 h 55 min
